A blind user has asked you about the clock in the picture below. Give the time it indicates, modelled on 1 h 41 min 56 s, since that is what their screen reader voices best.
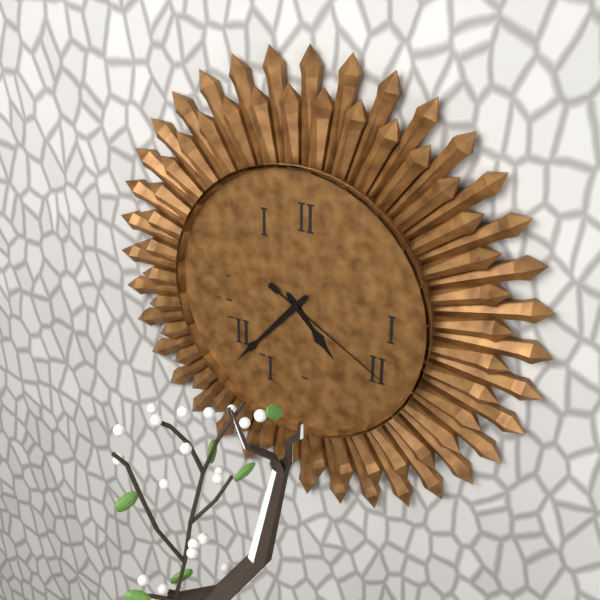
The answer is 4 h 37 min 20 s
